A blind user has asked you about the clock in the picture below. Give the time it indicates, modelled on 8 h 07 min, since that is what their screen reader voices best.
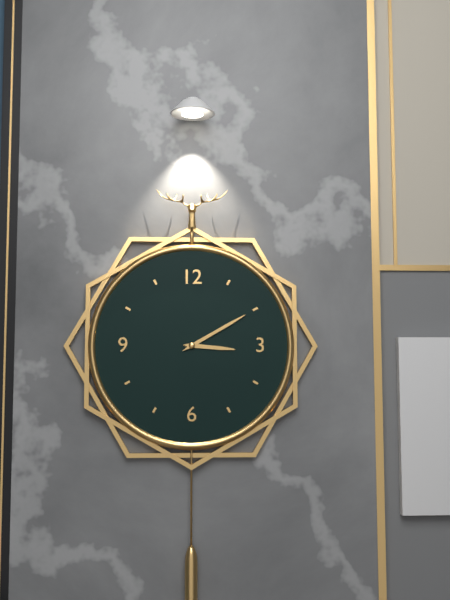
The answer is 3 h 10 min
